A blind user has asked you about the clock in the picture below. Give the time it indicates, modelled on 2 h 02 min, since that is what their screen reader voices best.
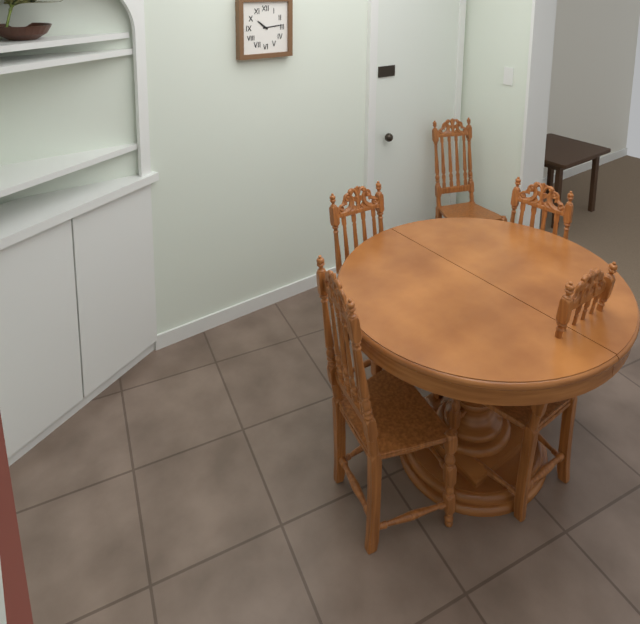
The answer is 10 h 14 min
